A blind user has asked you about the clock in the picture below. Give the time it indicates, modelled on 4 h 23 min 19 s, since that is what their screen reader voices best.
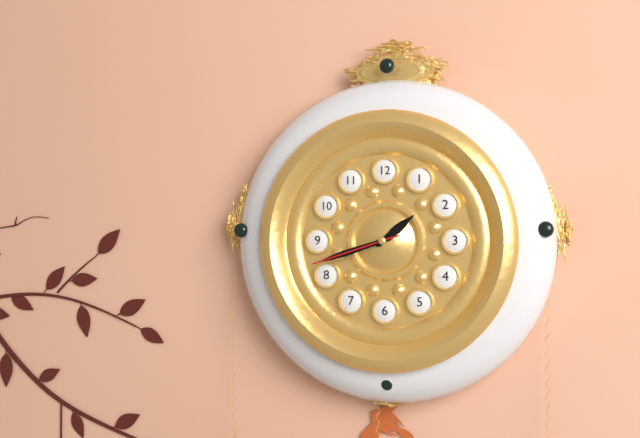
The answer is 1 h 42 min 42 s
